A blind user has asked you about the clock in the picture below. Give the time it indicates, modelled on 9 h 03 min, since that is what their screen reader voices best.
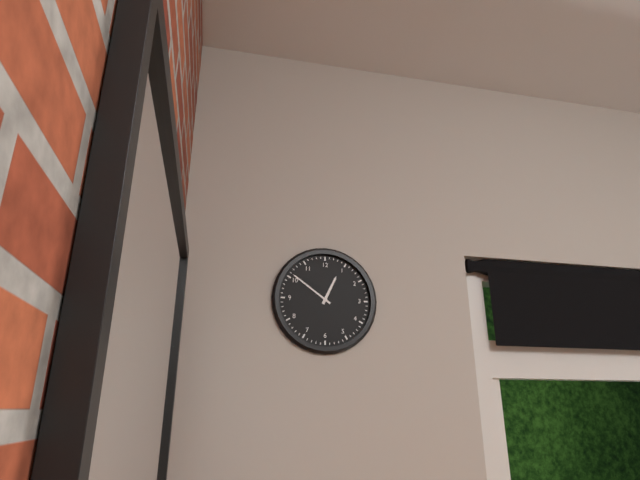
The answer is 12 h 51 min
